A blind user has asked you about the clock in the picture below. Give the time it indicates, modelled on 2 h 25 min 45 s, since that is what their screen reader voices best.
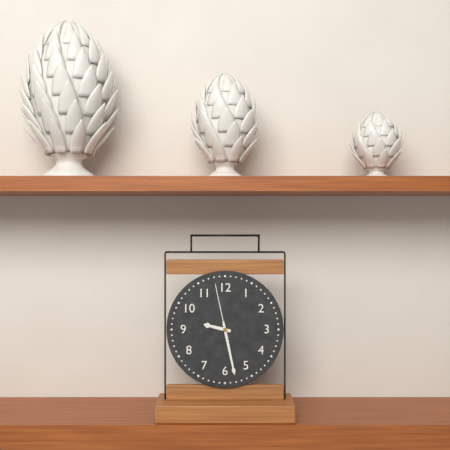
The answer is 9 h 28 min 58 s
